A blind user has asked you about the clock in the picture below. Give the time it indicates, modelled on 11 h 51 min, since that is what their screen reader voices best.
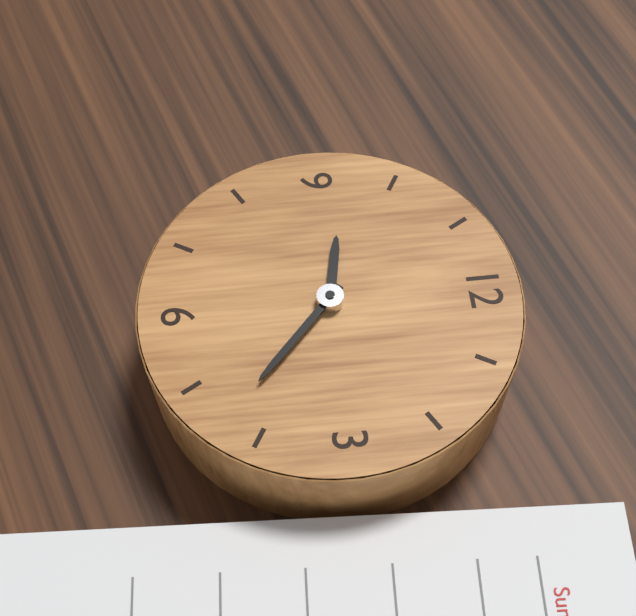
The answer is 9 h 22 min
